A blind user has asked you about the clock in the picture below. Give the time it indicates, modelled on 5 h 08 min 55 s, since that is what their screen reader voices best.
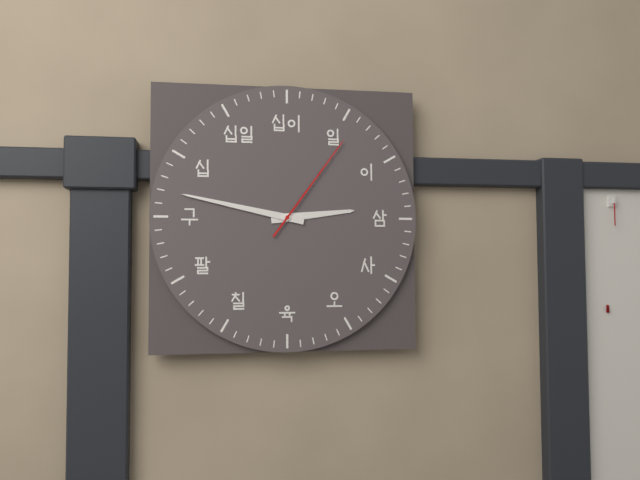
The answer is 2 h 47 min 06 s
